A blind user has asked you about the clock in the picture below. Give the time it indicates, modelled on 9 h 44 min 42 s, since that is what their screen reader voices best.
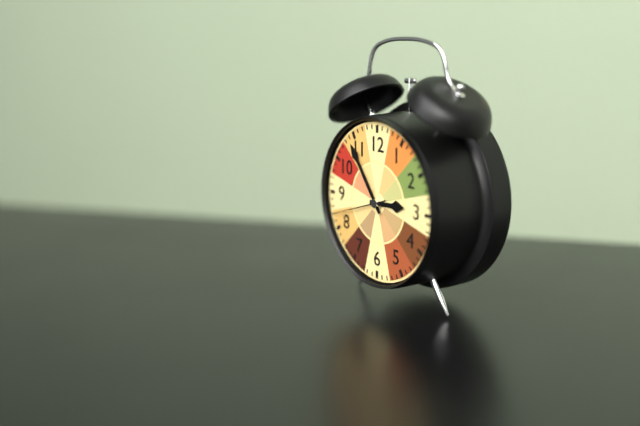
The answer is 2 h 54 min 42 s
